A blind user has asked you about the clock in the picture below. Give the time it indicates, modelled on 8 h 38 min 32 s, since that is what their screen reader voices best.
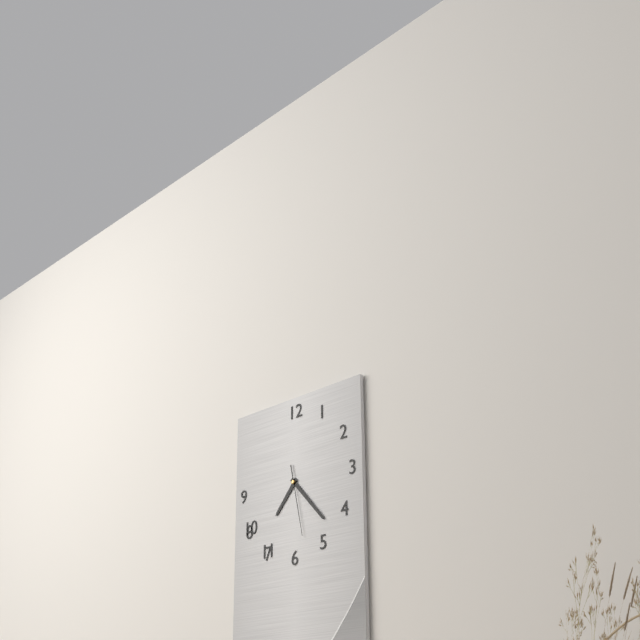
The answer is 7 h 23 min 28 s
